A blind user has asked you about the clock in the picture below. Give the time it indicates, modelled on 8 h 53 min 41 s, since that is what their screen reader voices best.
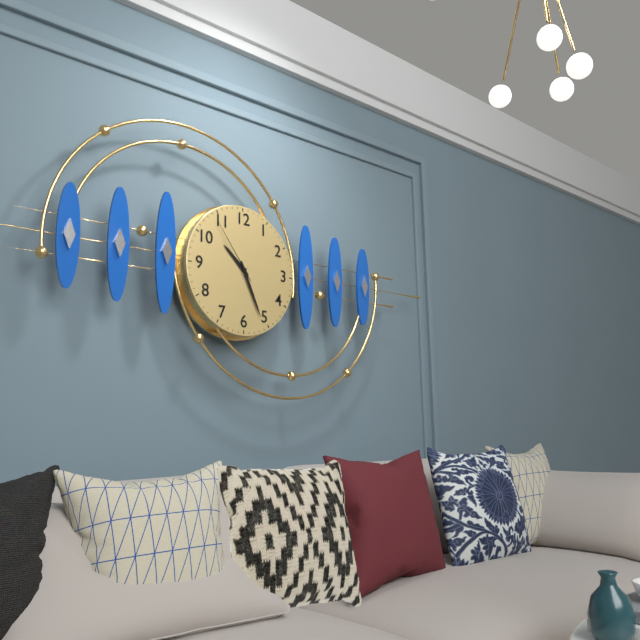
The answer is 10 h 26 min 54 s
